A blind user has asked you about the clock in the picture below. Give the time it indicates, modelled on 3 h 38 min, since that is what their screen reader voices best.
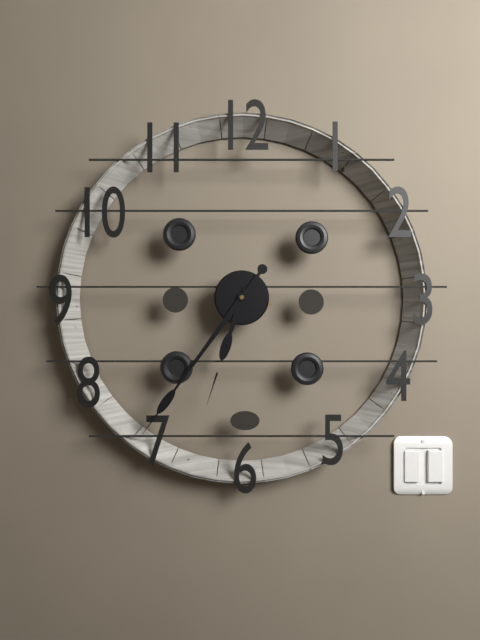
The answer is 6 h 36 min
